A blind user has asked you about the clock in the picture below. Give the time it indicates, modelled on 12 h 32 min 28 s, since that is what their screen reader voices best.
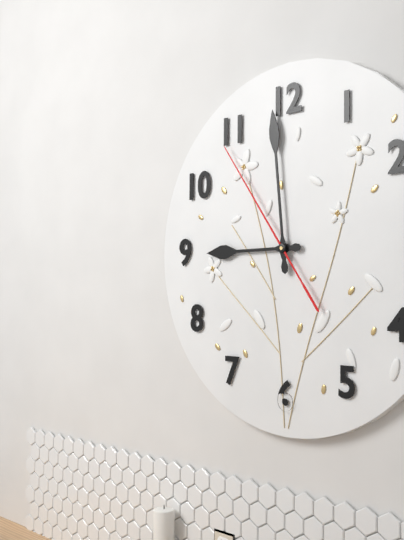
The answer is 8 h 59 min 54 s
